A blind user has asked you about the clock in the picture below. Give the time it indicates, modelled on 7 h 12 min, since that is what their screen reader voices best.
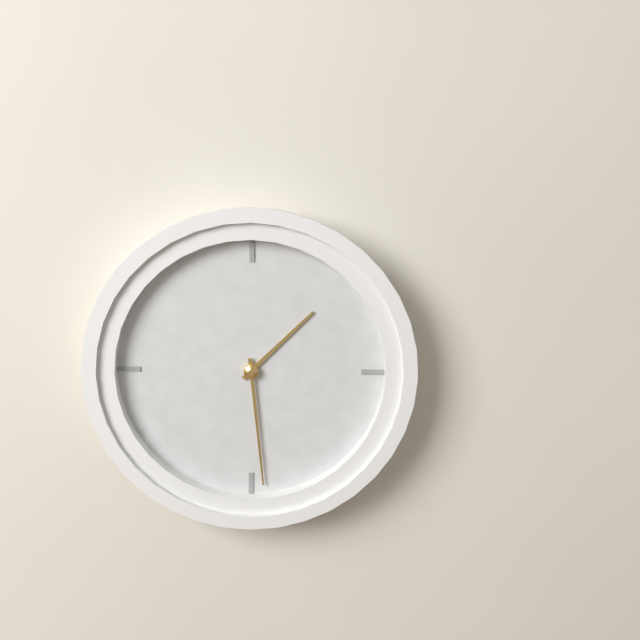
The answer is 1 h 29 min
